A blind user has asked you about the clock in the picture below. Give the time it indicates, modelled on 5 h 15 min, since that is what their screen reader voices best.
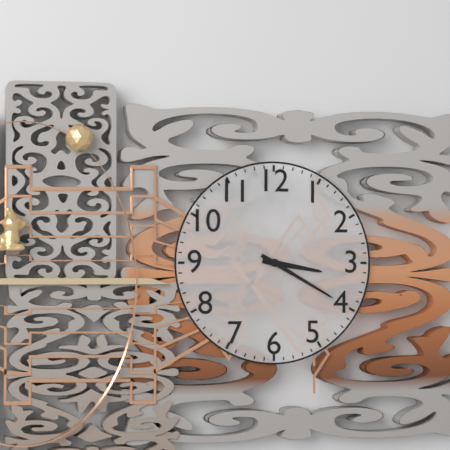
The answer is 3 h 20 min
